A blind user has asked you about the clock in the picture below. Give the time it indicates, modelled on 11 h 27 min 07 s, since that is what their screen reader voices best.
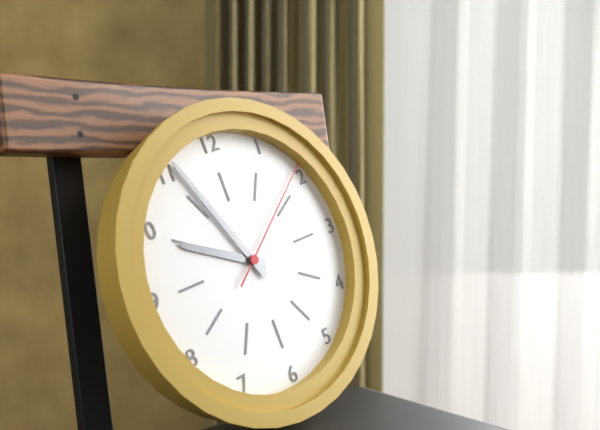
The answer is 9 h 56 min 09 s
